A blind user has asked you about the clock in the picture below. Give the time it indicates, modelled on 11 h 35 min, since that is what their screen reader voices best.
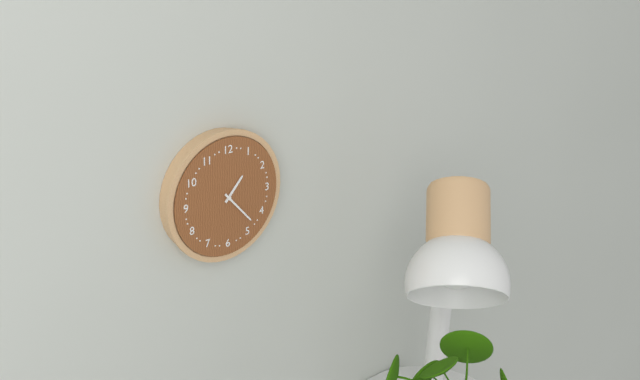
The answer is 1 h 23 min
